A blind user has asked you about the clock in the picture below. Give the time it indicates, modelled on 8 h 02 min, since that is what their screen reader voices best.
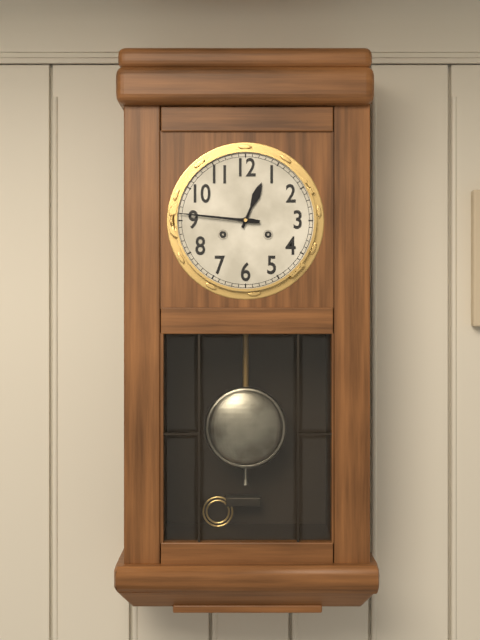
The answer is 12 h 46 min
